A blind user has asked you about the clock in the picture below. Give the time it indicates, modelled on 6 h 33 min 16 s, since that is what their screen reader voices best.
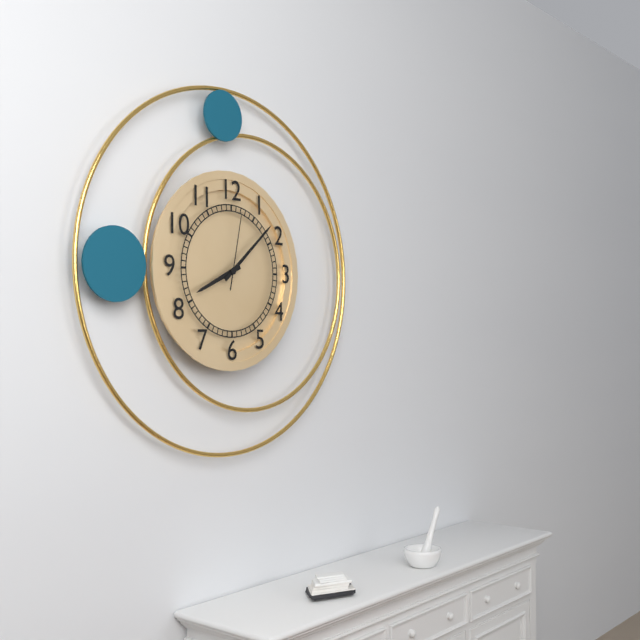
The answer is 8 h 08 min 02 s
